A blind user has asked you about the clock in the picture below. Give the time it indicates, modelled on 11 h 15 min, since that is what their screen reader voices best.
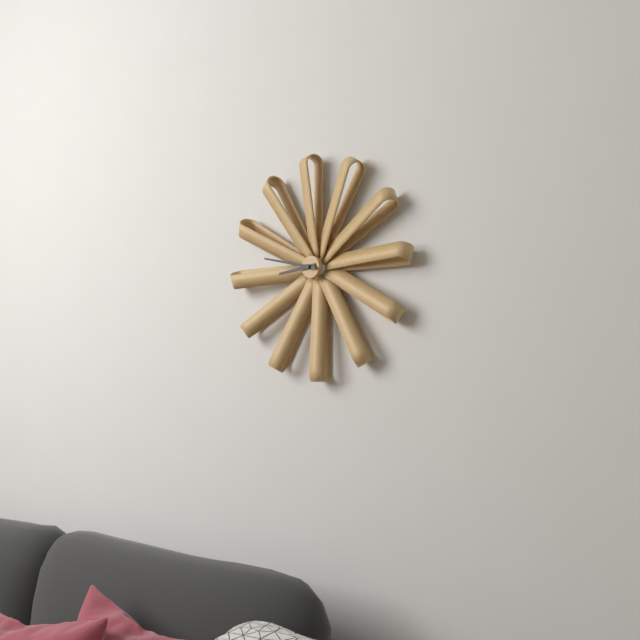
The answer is 8 h 47 min
